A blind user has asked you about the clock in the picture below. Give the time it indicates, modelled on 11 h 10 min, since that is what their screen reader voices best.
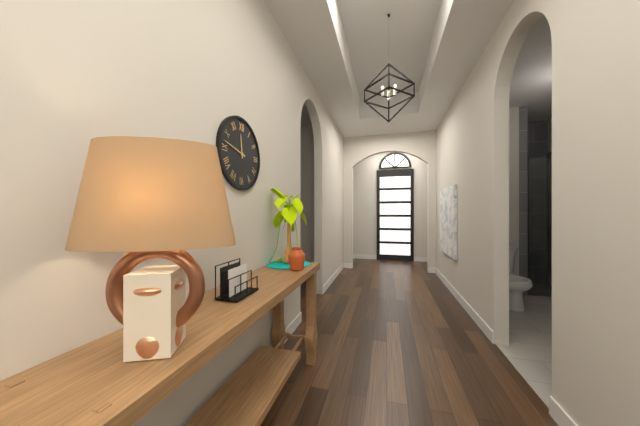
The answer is 11 h 47 min
